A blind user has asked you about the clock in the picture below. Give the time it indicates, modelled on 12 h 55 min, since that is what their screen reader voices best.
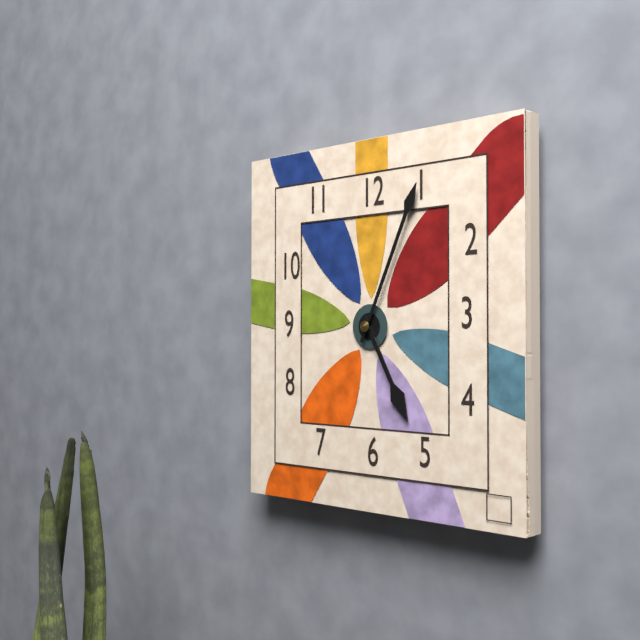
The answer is 5 h 04 min
